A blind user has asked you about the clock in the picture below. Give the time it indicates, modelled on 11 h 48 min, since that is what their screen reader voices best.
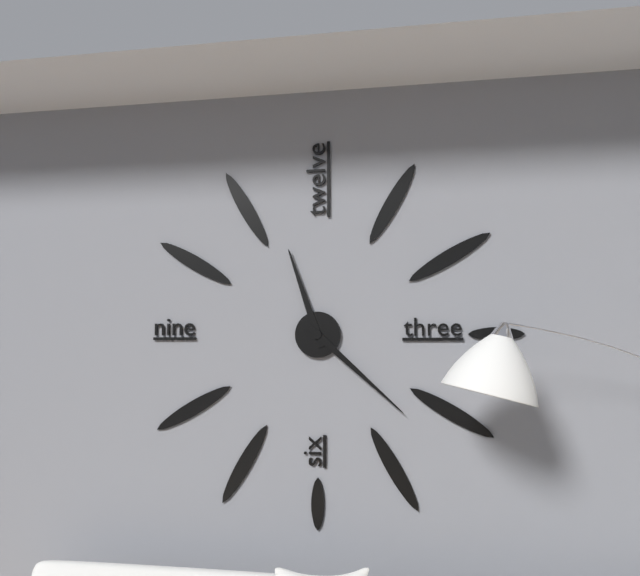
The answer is 11 h 22 min
